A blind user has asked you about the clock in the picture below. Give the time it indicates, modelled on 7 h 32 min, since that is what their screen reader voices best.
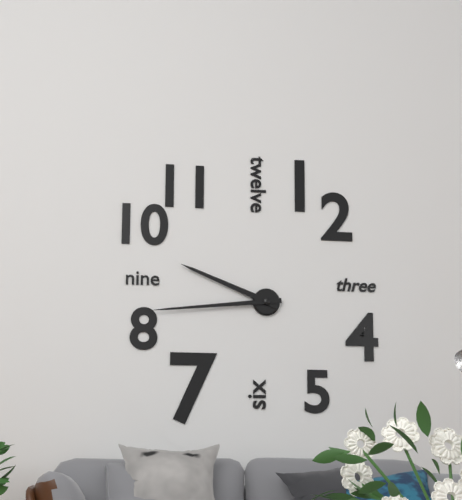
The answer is 9 h 44 min
